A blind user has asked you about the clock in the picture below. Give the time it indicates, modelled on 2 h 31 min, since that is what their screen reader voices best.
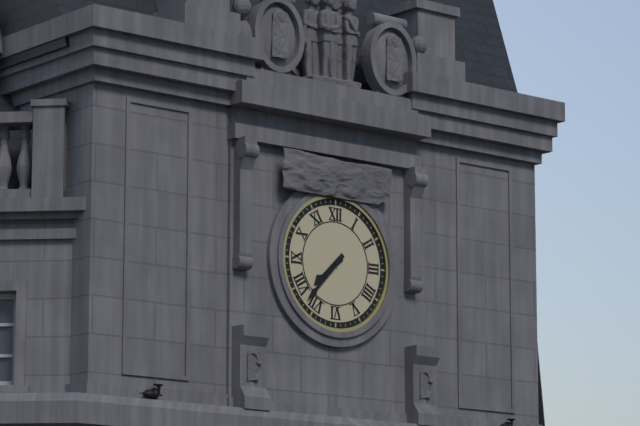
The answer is 7 h 37 min
